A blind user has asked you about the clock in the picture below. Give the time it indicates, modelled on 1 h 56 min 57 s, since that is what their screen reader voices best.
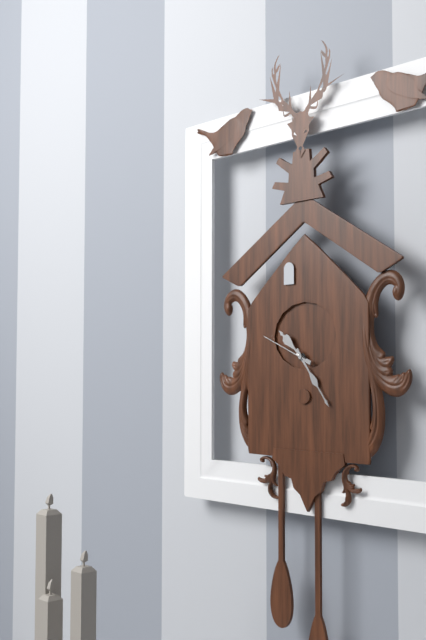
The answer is 10 h 24 min 49 s
